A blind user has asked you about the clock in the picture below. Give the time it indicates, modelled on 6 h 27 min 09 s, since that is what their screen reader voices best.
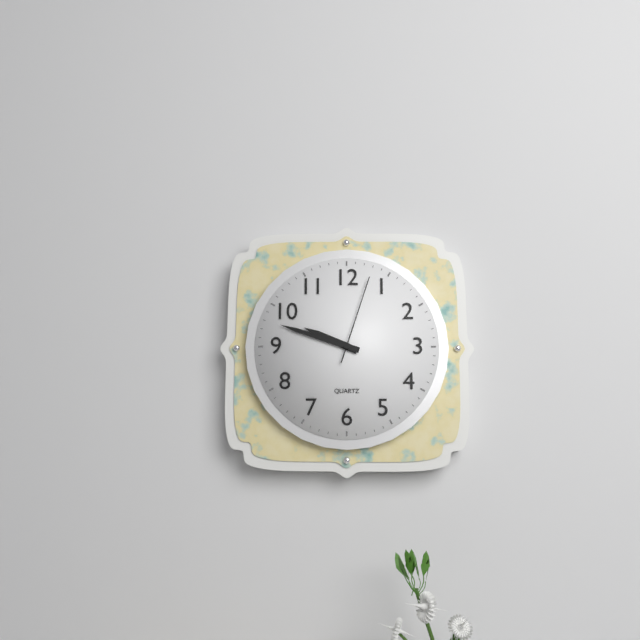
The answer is 9 h 48 min 03 s
